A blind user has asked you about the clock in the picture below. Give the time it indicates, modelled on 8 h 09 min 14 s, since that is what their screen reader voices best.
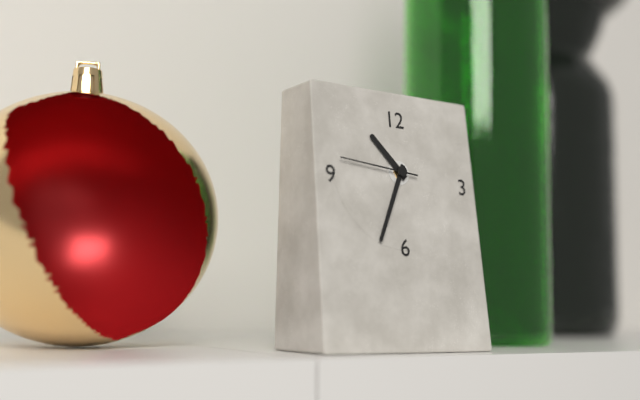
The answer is 10 h 34 min 46 s
